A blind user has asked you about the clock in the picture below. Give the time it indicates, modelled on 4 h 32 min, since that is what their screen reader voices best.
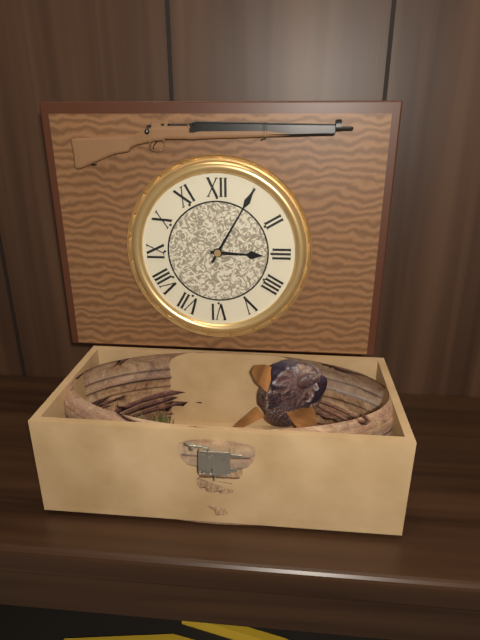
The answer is 3 h 05 min
